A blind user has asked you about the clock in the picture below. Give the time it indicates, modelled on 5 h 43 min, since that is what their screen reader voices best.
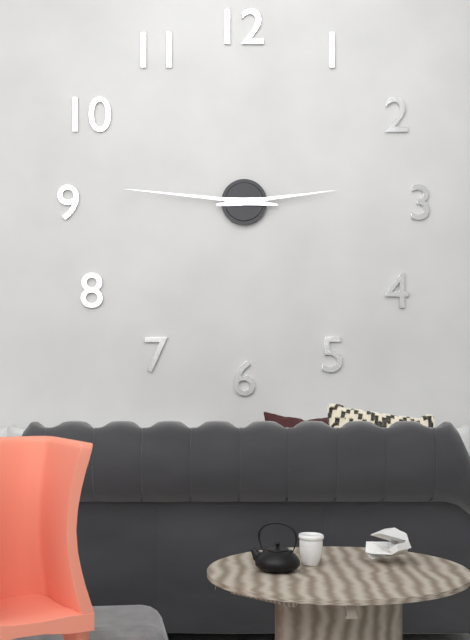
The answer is 2 h 46 min
